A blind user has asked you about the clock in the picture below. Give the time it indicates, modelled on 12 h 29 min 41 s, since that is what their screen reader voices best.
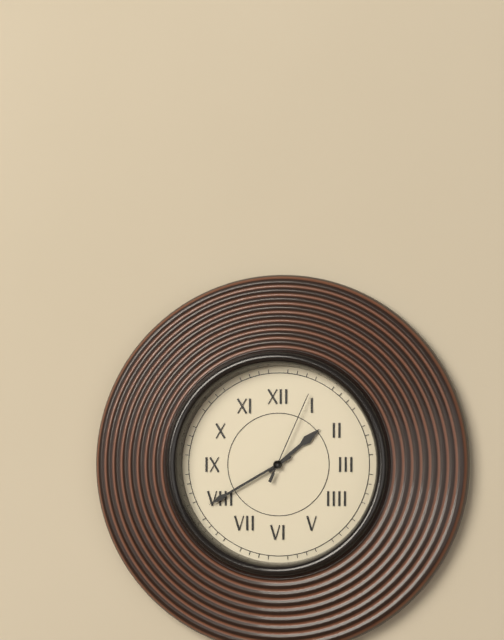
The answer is 1 h 40 min 04 s
